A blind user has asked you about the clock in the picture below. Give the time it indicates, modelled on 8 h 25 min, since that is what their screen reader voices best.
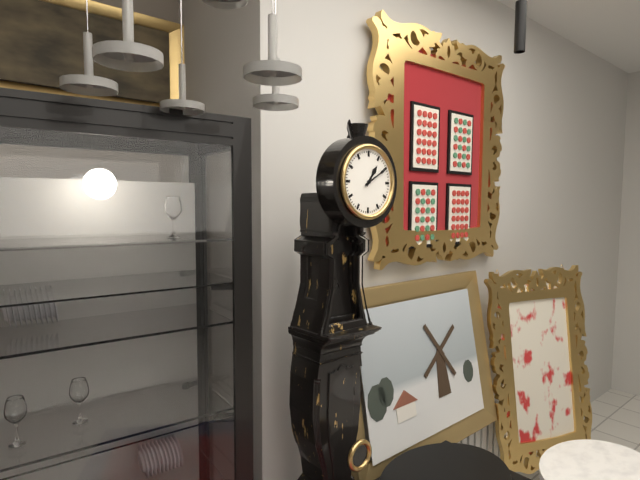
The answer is 1 h 10 min
